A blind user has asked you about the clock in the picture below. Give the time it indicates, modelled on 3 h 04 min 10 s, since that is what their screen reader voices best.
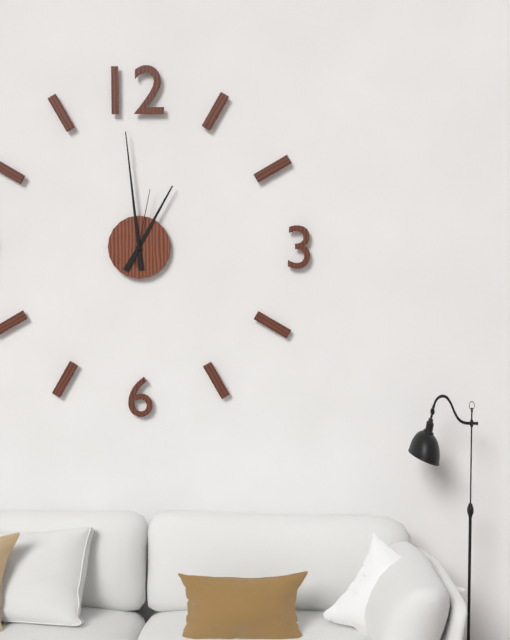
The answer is 12 h 59 min 02 s
